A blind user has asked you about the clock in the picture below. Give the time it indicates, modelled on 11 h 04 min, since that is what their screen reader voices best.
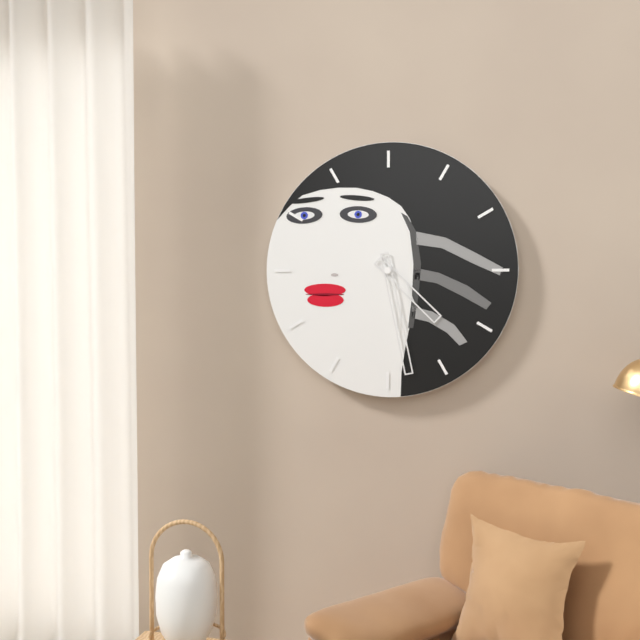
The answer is 4 h 28 min
